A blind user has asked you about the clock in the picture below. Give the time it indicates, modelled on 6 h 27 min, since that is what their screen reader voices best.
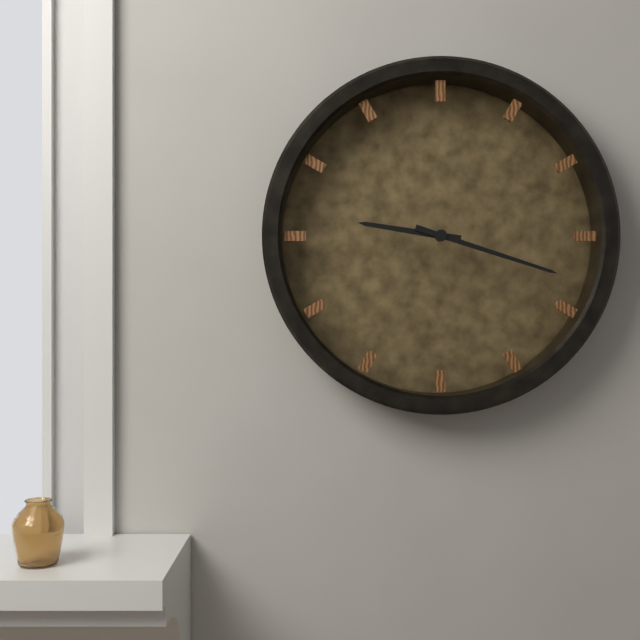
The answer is 9 h 18 min
